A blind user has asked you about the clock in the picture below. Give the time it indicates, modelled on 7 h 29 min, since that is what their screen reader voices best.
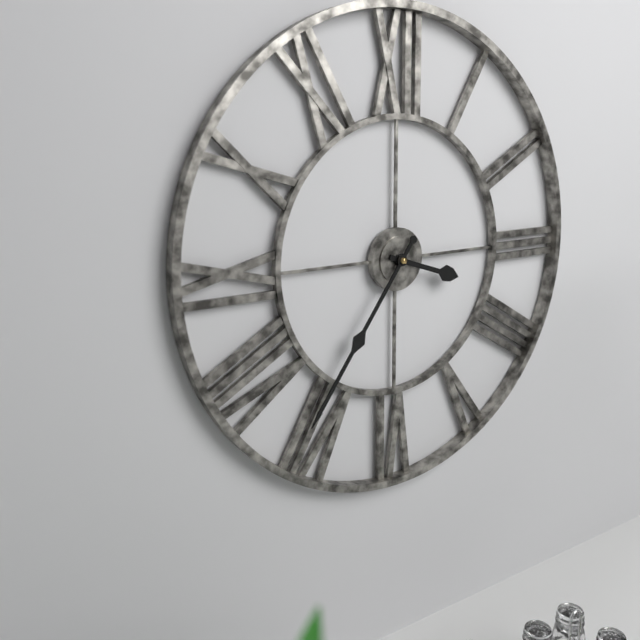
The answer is 3 h 36 min
